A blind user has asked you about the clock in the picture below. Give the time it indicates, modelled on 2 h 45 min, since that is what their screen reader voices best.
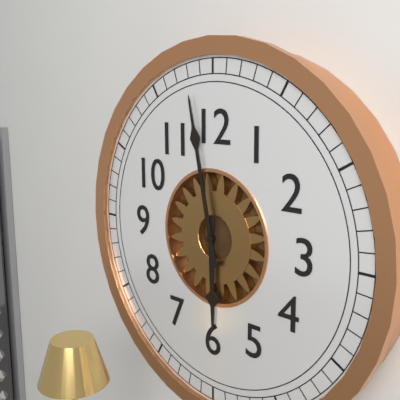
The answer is 5 h 58 min
